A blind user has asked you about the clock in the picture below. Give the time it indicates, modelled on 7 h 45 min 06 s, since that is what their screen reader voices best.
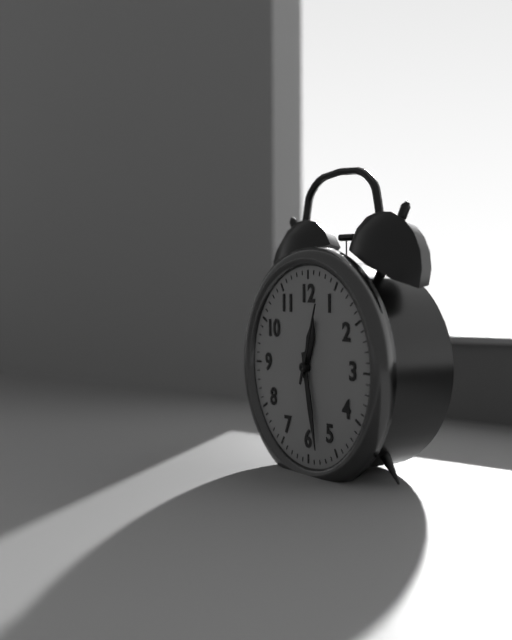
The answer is 12 h 28 min 03 s
